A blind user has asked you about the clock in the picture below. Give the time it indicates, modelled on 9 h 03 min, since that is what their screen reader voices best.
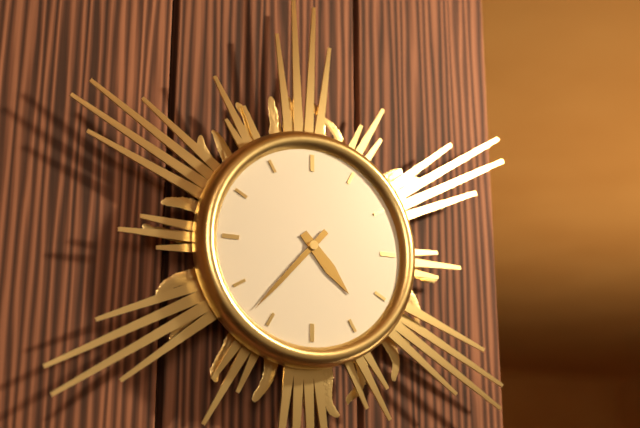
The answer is 4 h 37 min
